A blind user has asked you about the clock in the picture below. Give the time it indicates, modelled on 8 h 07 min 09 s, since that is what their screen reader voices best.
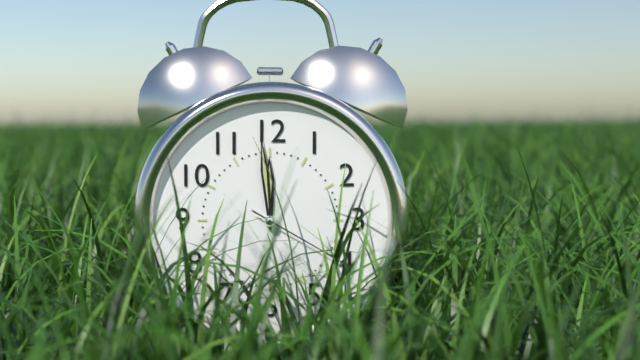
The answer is 11 h 59 min 20 s
